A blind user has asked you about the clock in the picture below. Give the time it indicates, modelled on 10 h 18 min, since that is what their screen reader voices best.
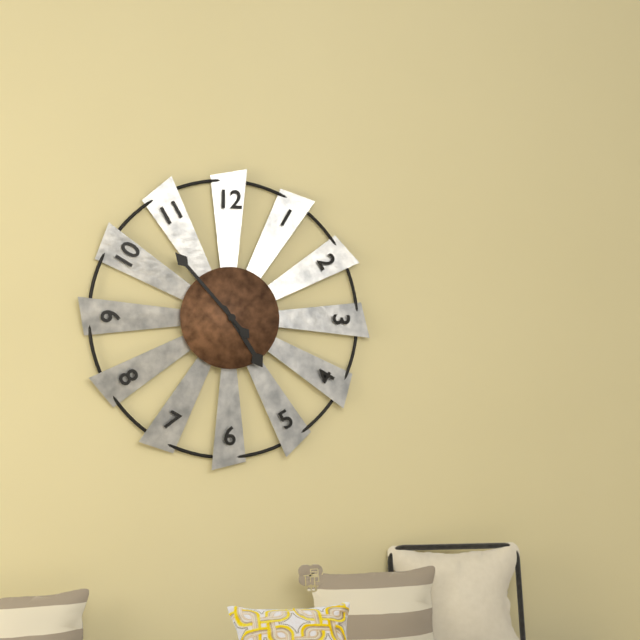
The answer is 4 h 53 min
